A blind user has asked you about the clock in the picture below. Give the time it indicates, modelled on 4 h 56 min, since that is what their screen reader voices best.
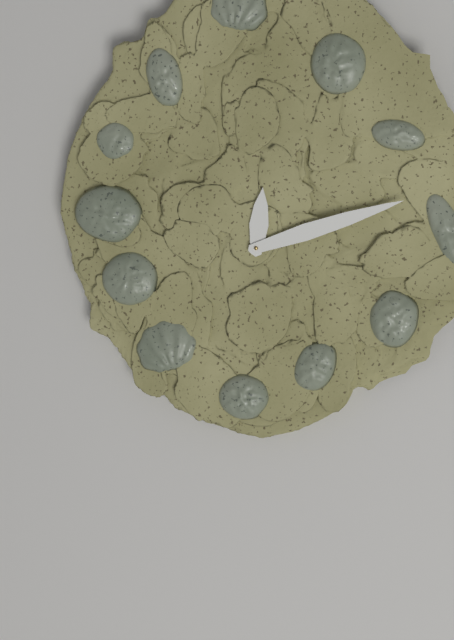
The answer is 12 h 12 min
